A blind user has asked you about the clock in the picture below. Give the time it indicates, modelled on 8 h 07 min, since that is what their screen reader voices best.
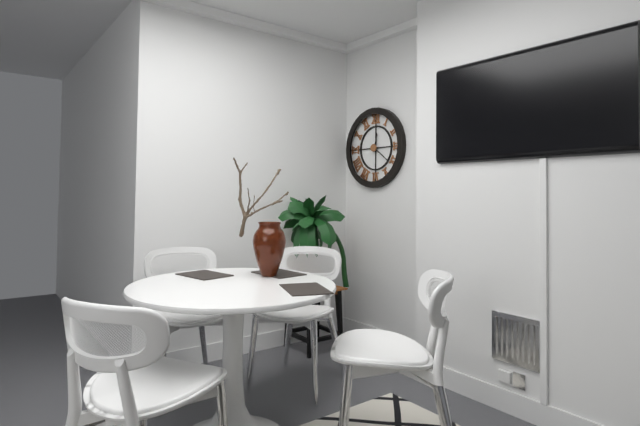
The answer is 12 h 21 min
